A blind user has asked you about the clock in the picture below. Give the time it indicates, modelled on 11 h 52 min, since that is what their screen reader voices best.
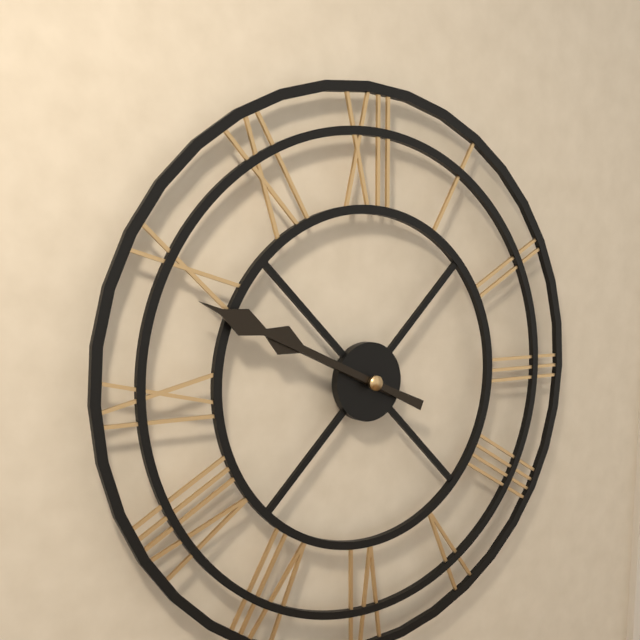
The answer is 9 h 49 min
